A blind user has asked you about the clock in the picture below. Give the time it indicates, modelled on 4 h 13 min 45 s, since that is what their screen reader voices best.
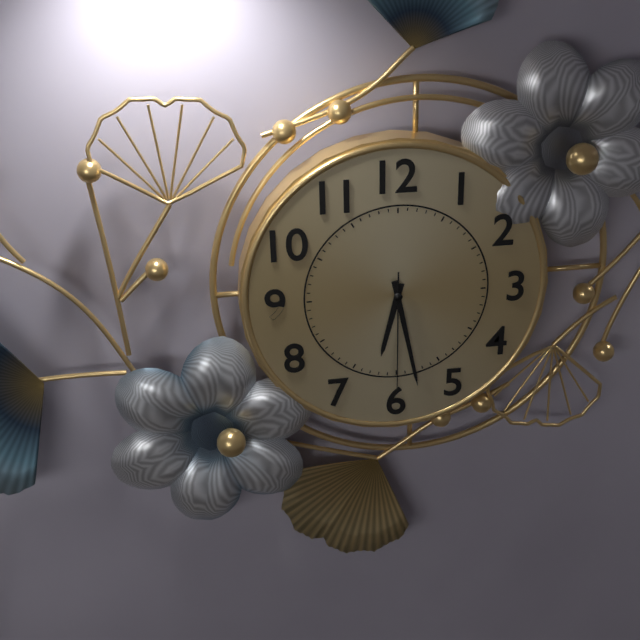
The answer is 6 h 28 min 30 s
